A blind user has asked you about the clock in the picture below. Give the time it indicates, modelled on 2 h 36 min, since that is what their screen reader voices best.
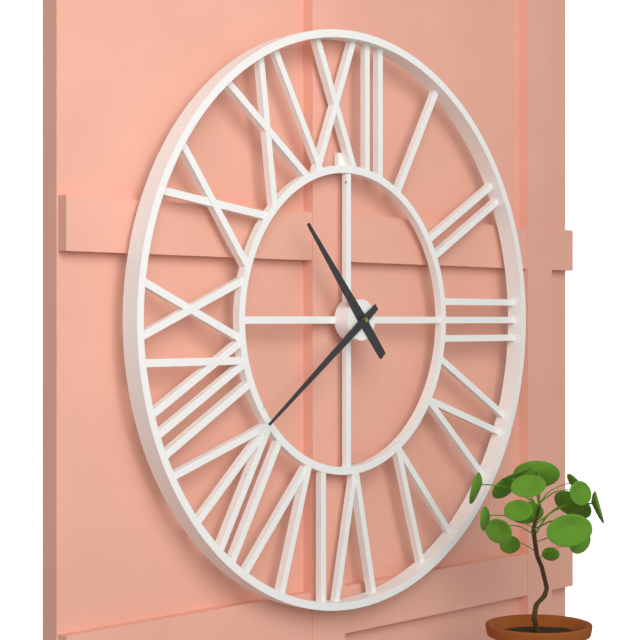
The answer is 10 h 39 min
